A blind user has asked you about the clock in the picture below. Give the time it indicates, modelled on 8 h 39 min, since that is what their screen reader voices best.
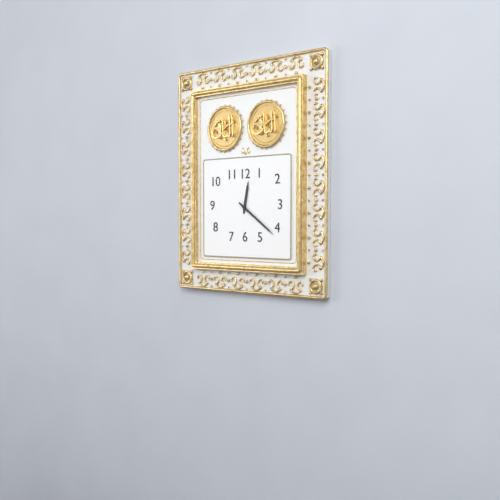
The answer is 12 h 21 min
